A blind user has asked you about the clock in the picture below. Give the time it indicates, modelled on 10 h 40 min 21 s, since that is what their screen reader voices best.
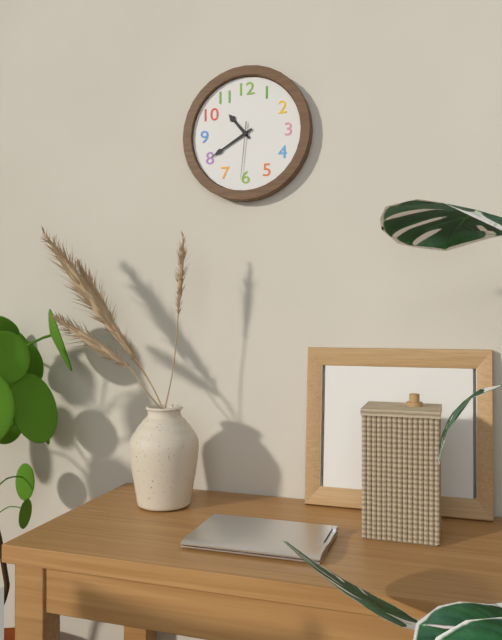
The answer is 10 h 40 min 31 s
